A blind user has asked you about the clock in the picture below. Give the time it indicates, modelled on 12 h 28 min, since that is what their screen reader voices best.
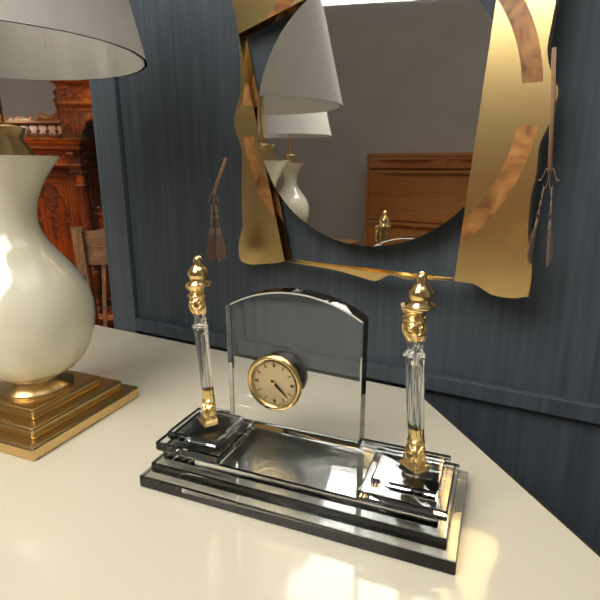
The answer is 4 h 22 min
